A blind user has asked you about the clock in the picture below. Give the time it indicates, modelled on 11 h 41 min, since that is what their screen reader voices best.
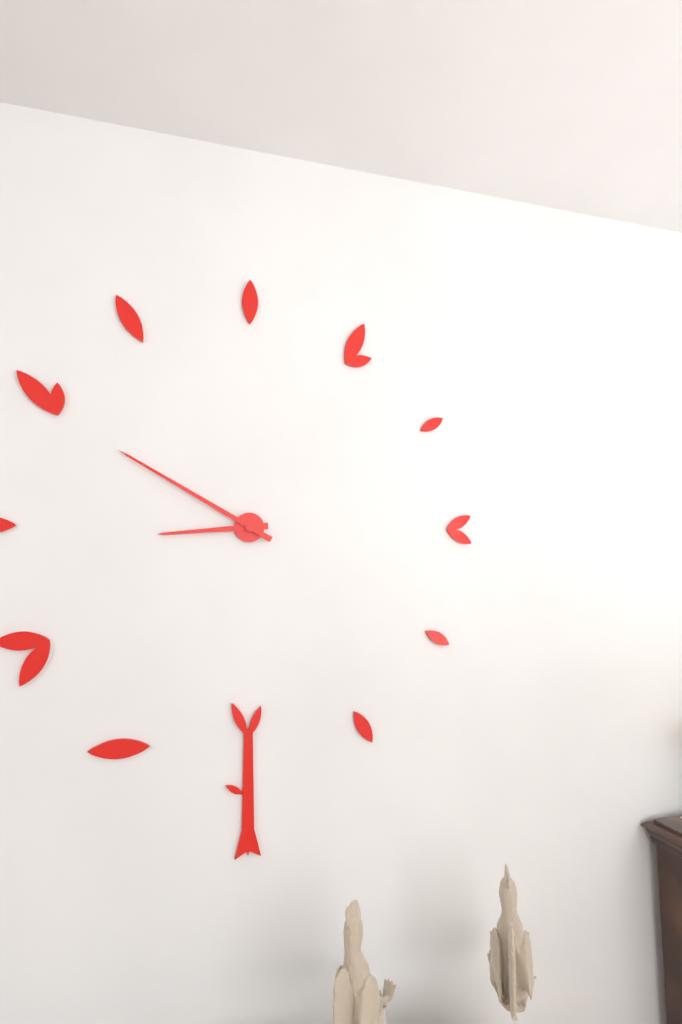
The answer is 8 h 50 min
